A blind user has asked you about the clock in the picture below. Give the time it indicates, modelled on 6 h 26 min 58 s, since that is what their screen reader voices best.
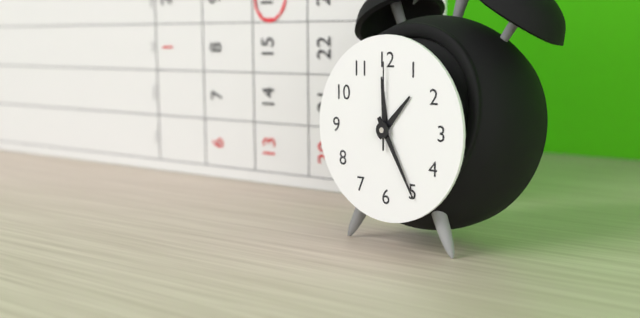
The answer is 1 h 25 min 00 s
